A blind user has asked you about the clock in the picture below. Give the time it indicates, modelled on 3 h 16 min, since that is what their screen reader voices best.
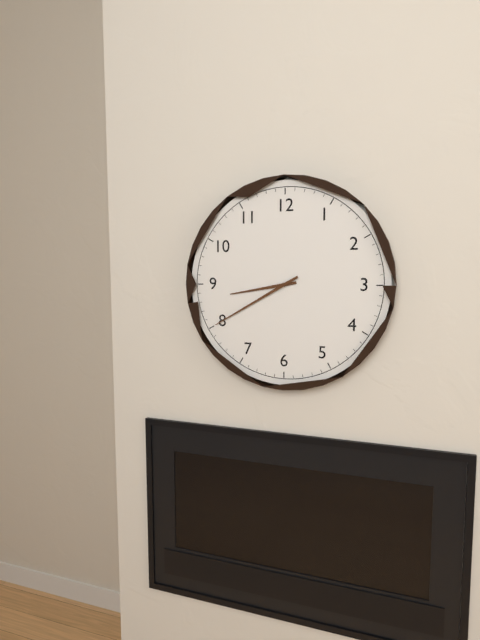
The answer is 8 h 40 min
